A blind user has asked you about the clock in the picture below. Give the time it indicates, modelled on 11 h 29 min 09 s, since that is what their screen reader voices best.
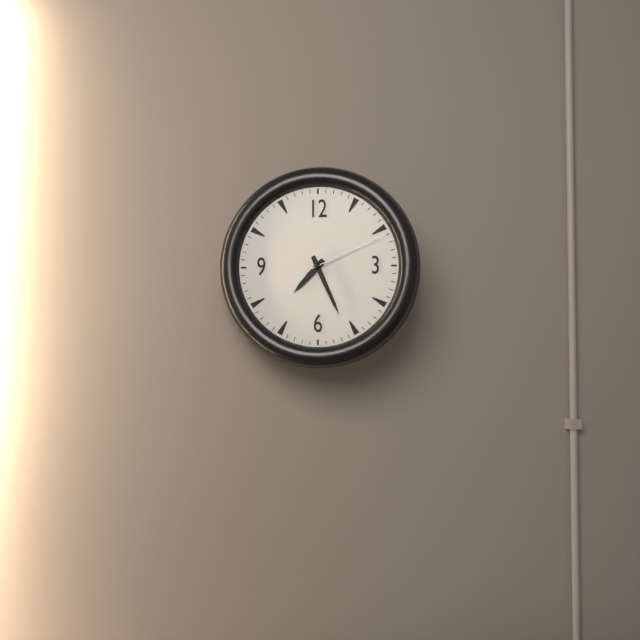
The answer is 7 h 26 min 11 s
